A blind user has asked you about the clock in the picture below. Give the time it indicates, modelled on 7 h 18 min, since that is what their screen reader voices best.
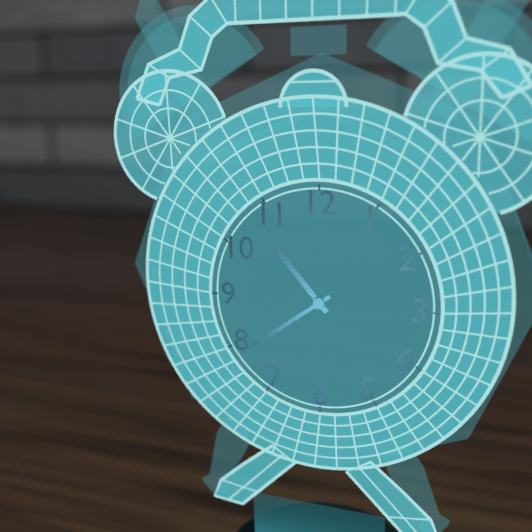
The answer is 10 h 39 min
